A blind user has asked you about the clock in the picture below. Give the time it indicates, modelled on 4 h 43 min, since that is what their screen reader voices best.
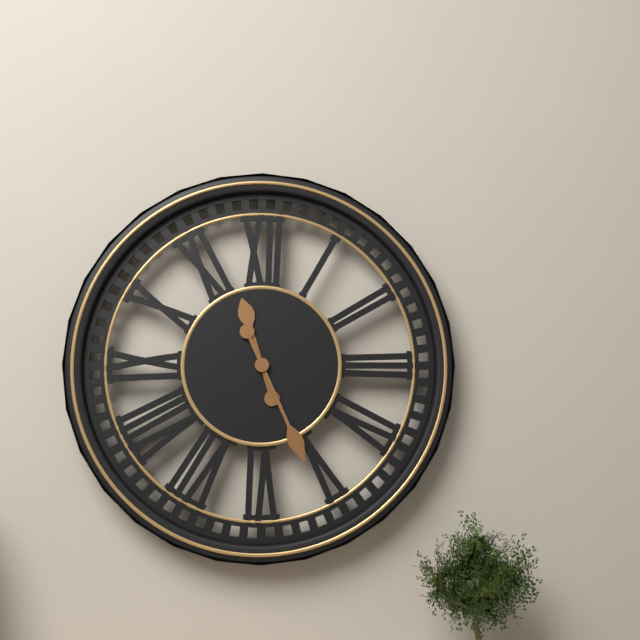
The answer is 11 h 26 min
